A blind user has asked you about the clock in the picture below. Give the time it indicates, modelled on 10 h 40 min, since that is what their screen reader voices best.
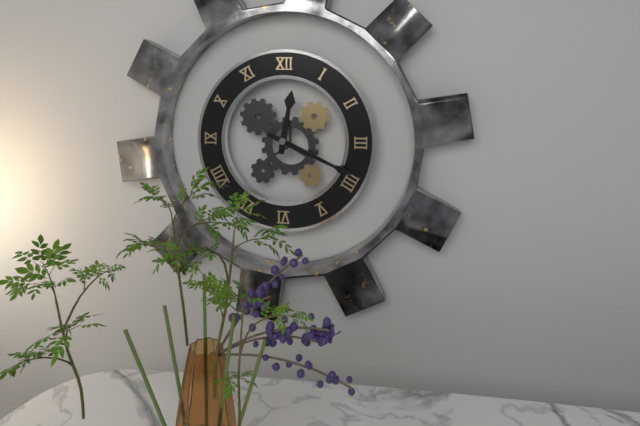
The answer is 12 h 19 min
